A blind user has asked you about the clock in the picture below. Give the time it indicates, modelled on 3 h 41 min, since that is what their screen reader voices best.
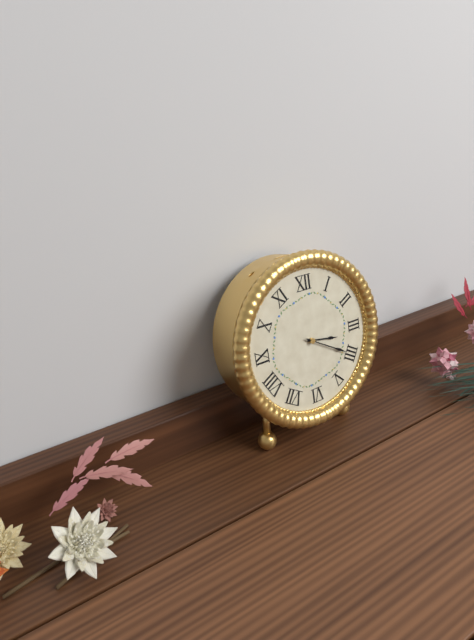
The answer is 3 h 20 min
